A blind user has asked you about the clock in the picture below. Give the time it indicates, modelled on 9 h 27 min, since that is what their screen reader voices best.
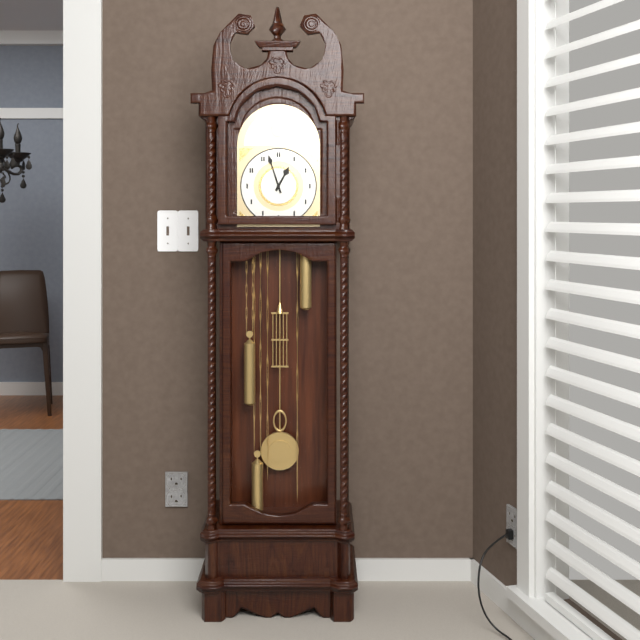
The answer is 12 h 57 min
